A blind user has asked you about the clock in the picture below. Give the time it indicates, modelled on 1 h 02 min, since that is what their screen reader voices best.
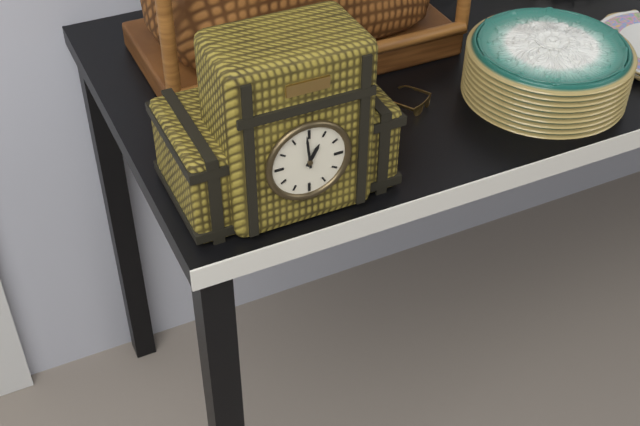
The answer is 12 h 59 min
